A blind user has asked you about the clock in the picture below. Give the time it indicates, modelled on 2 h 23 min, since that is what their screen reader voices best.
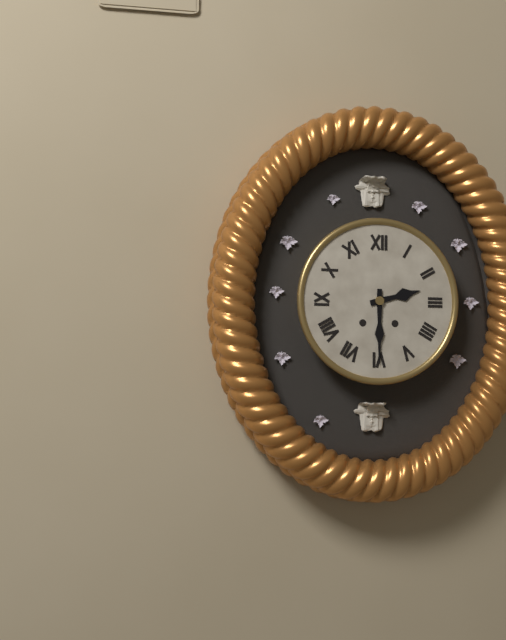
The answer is 2 h 30 min
